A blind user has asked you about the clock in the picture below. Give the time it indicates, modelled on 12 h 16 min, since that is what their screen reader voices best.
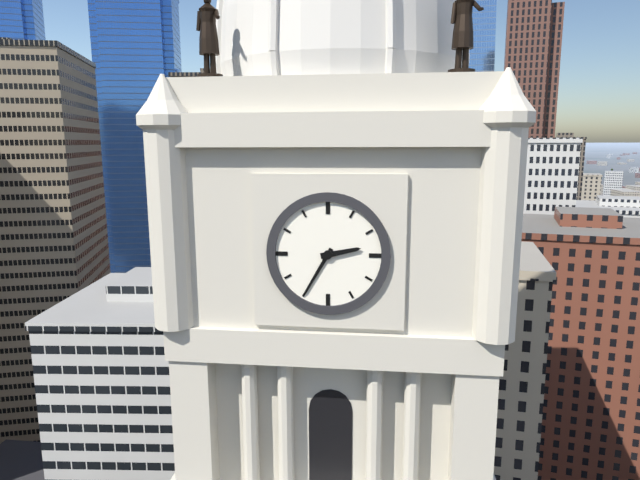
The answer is 2 h 35 min
